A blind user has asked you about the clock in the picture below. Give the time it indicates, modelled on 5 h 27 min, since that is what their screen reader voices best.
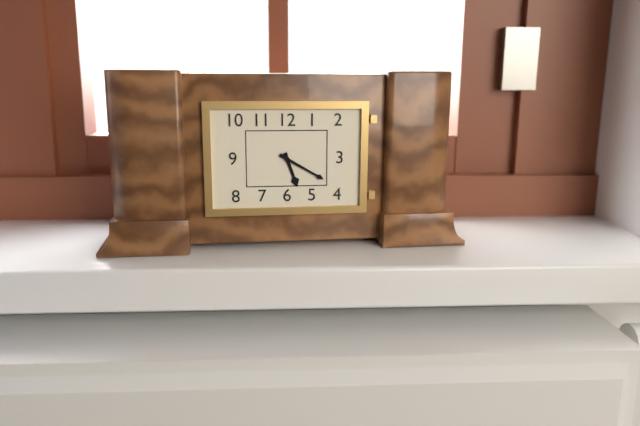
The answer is 5 h 20 min
